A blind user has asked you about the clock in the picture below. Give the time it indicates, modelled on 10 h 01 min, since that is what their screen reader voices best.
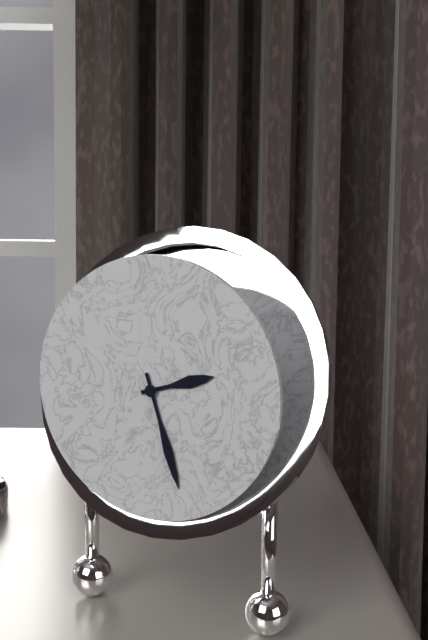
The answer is 2 h 27 min
